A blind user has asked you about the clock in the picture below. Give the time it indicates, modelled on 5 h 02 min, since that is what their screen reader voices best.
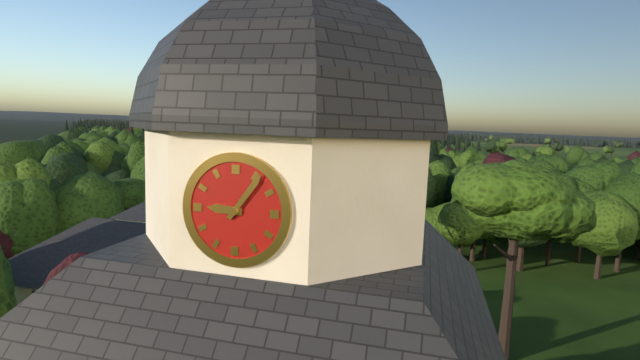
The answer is 9 h 06 min
